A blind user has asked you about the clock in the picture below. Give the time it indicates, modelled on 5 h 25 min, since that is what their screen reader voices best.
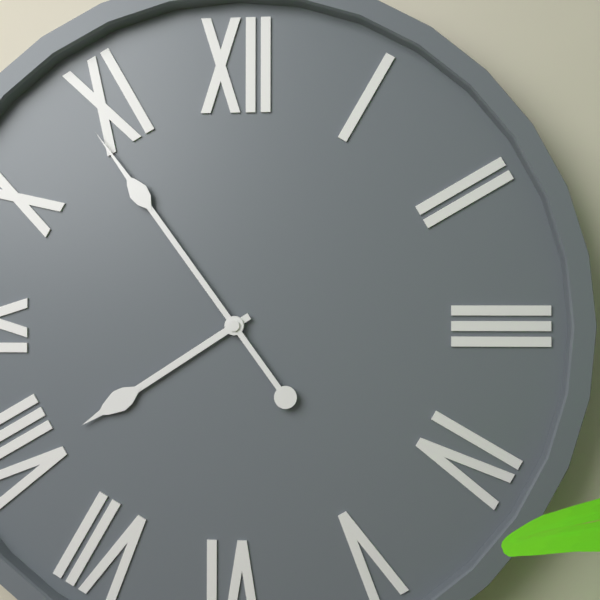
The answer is 7 h 54 min
